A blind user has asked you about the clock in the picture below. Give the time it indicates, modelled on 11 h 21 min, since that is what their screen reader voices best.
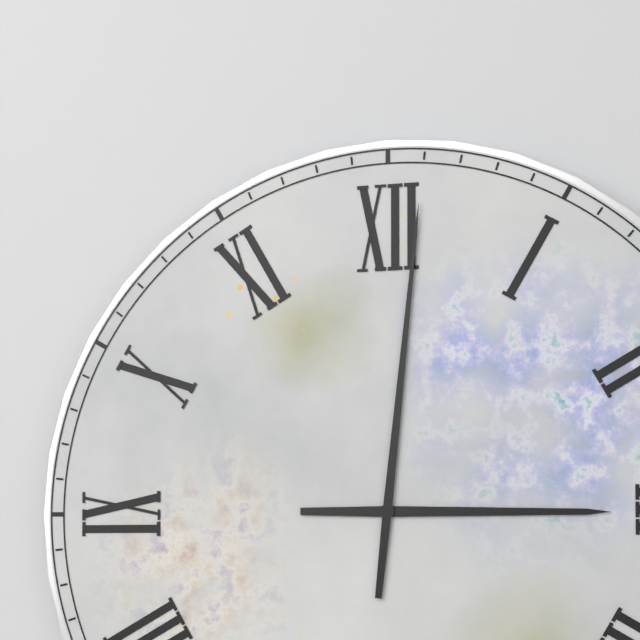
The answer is 3 h 01 min
